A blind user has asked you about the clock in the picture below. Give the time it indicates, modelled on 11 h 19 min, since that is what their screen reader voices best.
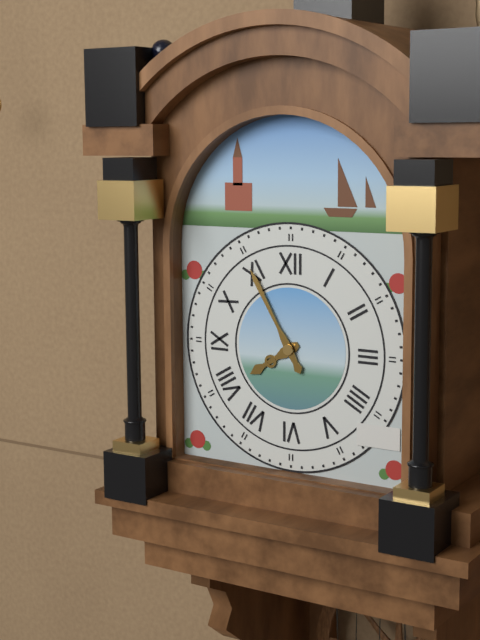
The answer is 7 h 55 min
